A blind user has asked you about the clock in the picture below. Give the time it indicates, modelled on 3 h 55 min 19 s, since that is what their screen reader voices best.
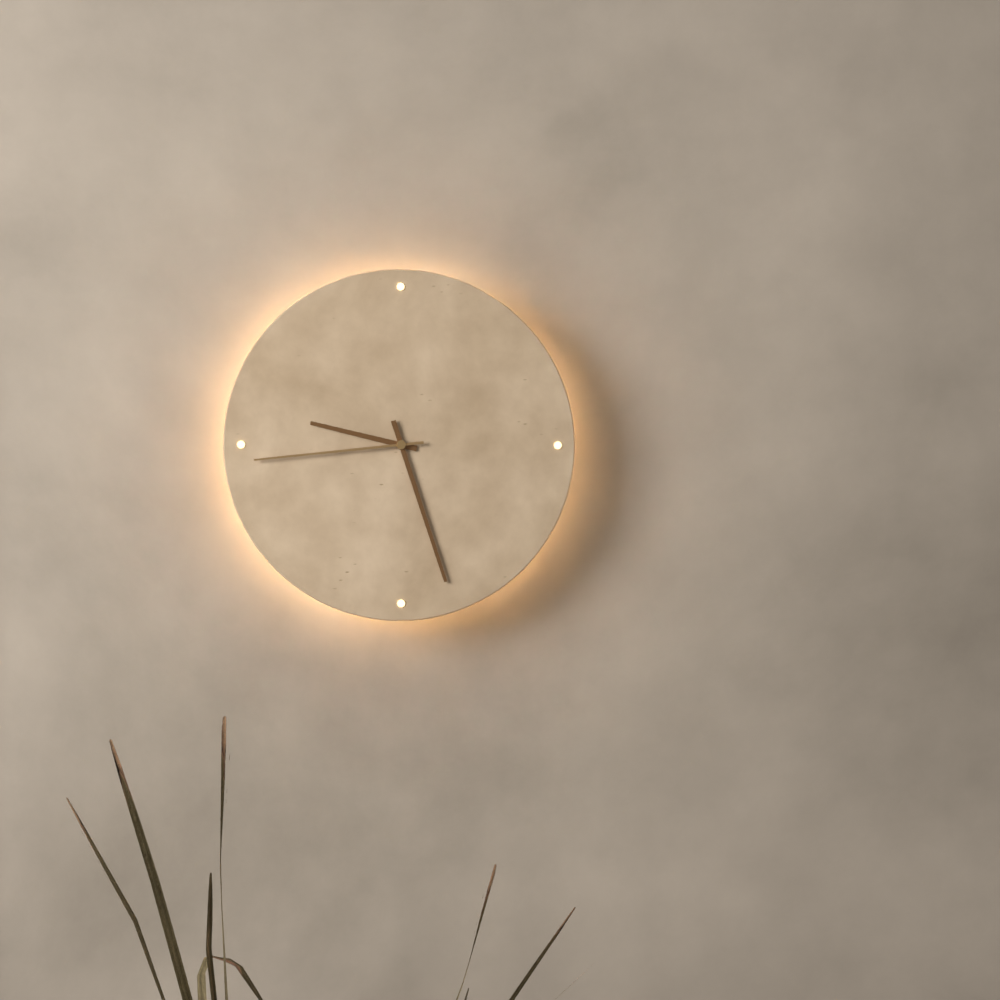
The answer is 9 h 27 min 44 s
